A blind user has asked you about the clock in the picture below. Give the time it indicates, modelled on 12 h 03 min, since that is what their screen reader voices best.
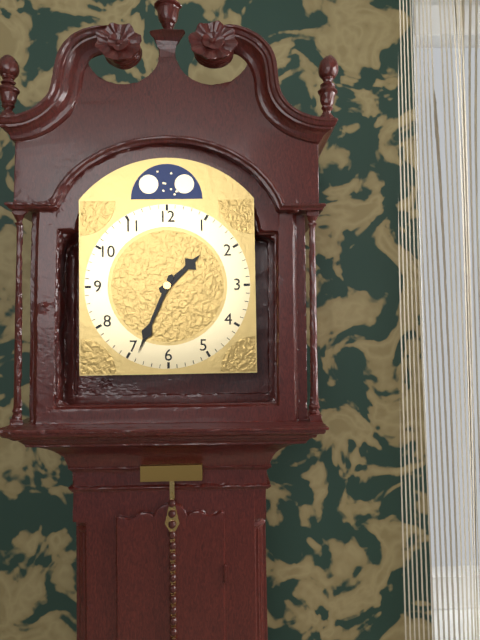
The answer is 1 h 34 min
